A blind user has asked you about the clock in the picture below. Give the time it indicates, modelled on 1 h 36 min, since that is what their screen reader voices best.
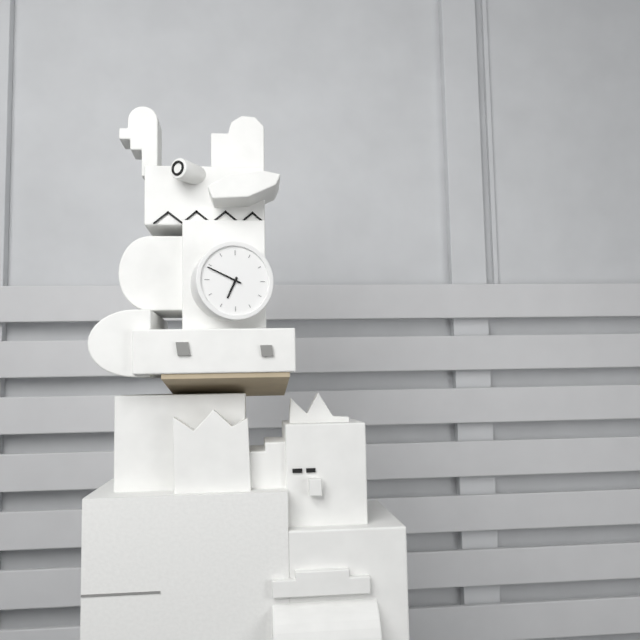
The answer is 6 h 49 min
